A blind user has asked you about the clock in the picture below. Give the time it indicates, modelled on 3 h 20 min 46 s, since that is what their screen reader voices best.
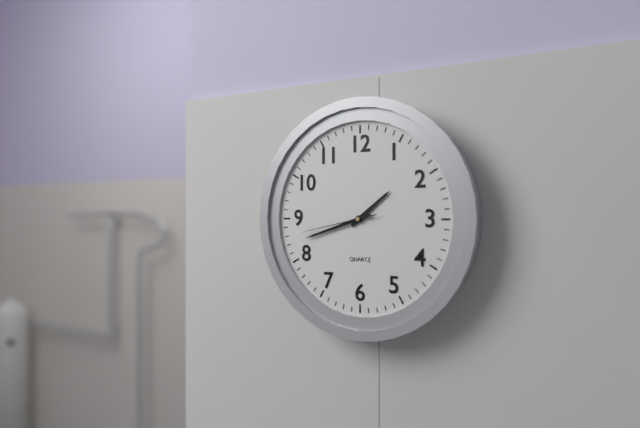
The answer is 1 h 42 min 43 s
